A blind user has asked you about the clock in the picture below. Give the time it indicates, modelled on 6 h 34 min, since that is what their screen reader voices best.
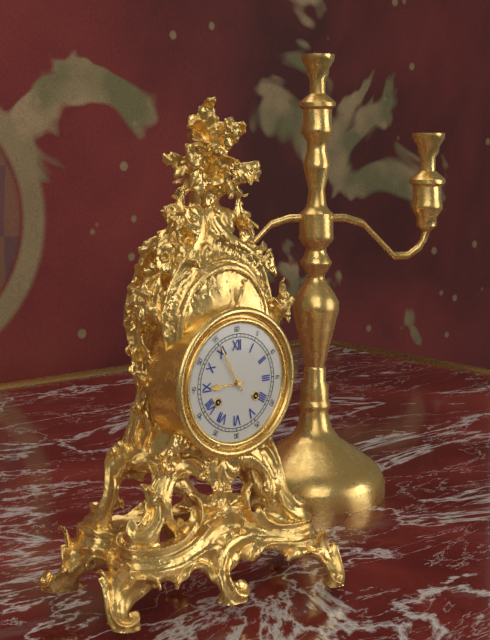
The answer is 8 h 55 min
